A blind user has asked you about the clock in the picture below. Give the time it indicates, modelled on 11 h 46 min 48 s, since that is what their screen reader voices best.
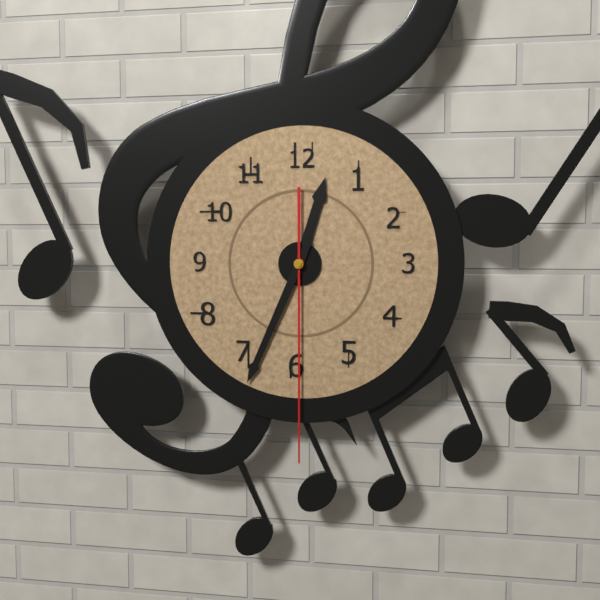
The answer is 12 h 34 min 30 s
